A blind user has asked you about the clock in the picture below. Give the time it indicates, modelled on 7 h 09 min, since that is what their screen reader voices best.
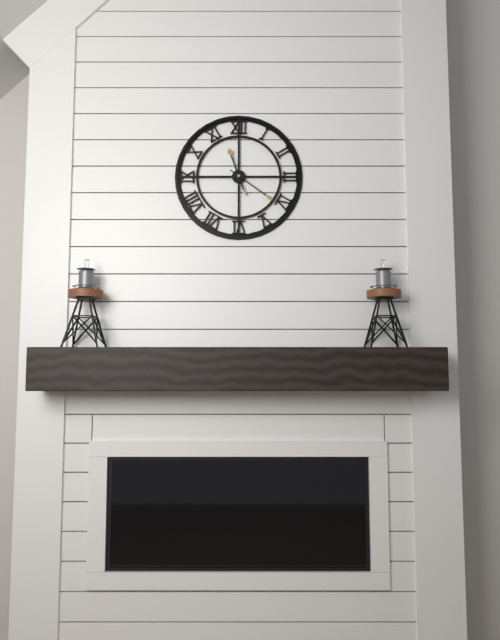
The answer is 11 h 21 min
